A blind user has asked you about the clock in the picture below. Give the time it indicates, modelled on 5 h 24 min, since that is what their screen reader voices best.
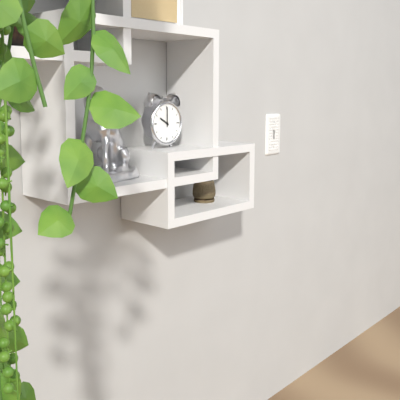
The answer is 10 h 00 min
